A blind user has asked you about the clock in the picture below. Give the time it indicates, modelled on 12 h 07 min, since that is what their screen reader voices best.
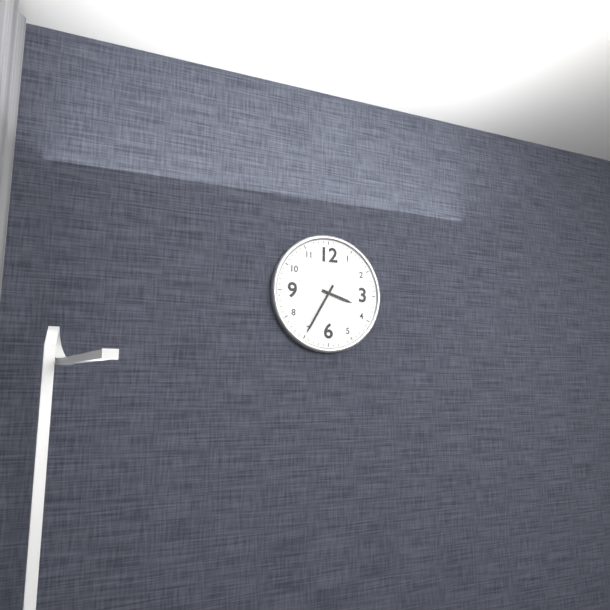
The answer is 3 h 35 min
